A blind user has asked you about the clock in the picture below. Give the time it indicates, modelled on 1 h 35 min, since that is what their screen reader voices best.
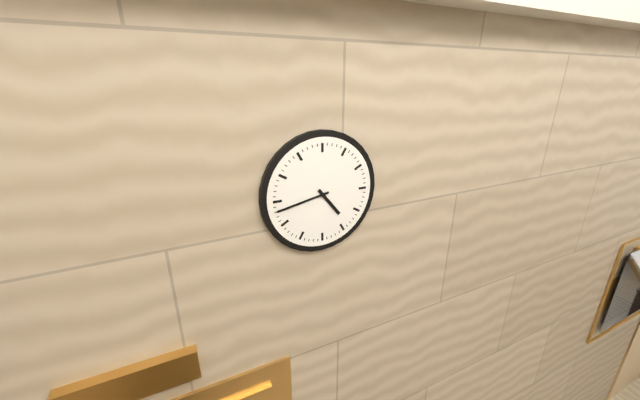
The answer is 4 h 43 min
